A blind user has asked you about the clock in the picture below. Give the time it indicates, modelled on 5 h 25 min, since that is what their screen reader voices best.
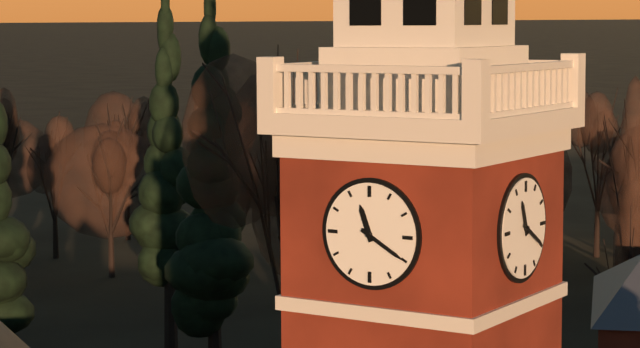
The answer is 11 h 20 min
